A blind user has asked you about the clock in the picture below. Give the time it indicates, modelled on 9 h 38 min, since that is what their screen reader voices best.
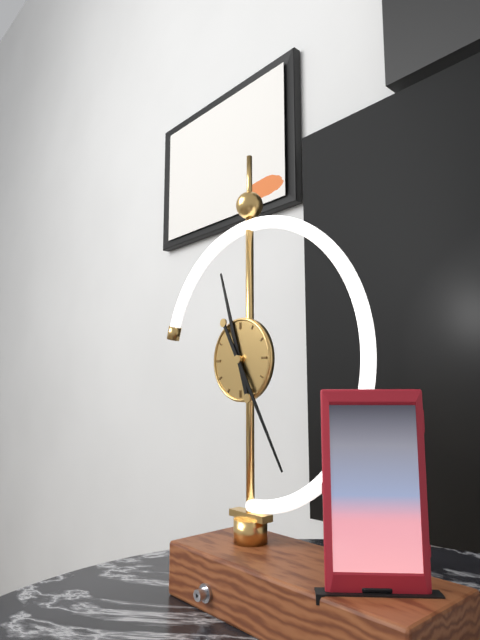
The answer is 11 h 25 min
